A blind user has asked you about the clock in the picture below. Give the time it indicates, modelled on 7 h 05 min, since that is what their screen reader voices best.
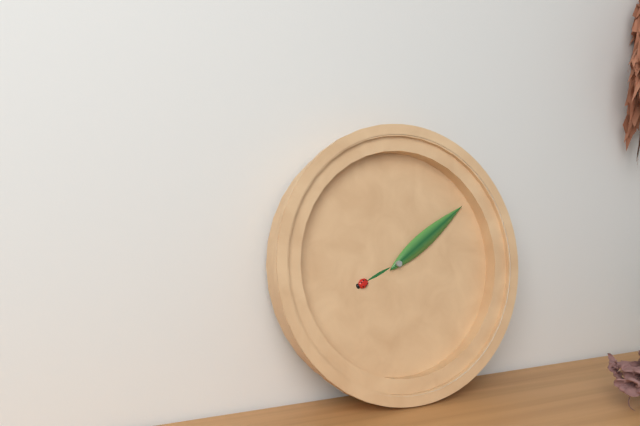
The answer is 8 h 09 min
